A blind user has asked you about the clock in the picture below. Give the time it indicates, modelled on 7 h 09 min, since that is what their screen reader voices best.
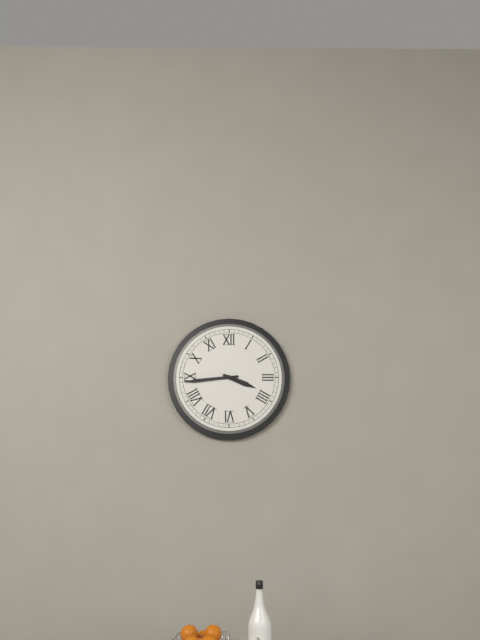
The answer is 3 h 44 min
